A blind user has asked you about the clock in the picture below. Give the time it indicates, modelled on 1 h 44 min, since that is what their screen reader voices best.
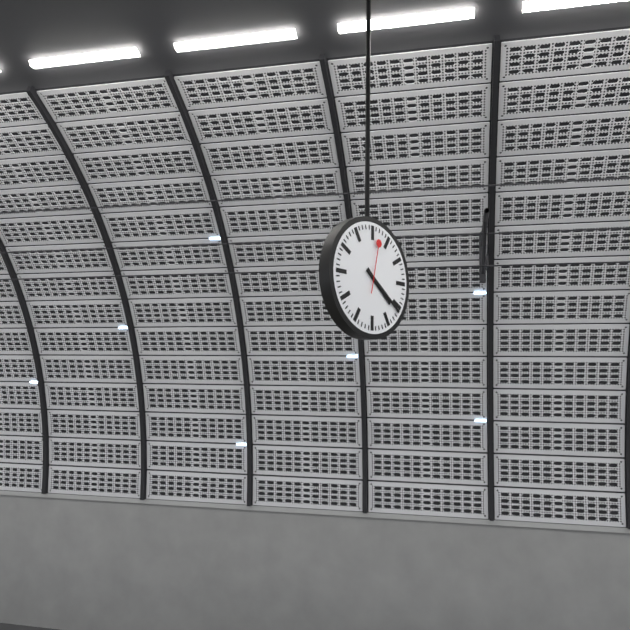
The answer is 4 h 21 min
